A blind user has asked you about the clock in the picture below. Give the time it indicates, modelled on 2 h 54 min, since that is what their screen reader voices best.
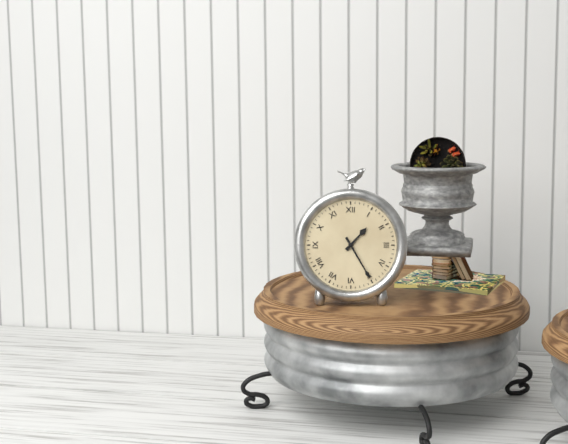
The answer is 1 h 25 min
